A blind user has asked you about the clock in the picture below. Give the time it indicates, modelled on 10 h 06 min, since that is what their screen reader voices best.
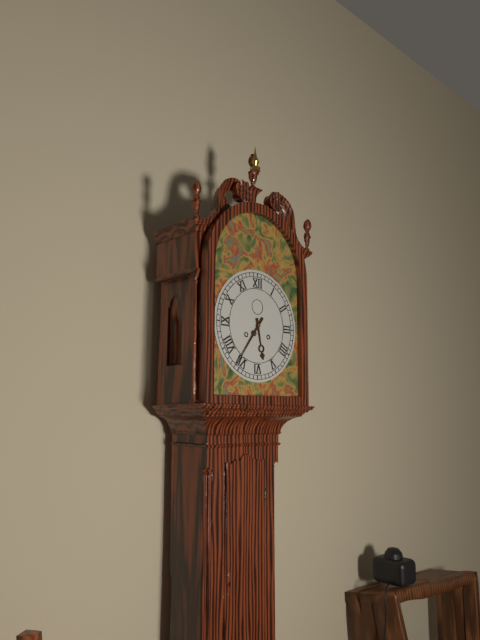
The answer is 5 h 36 min
